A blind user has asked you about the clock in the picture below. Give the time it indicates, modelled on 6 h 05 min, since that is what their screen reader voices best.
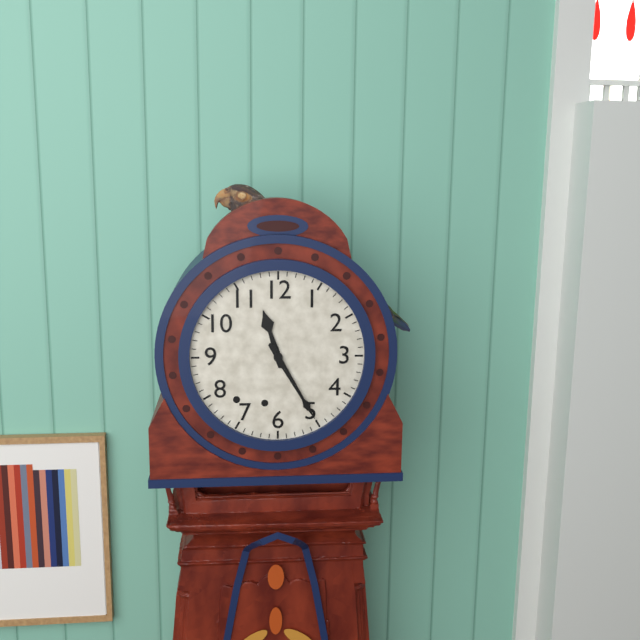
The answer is 11 h 25 min
